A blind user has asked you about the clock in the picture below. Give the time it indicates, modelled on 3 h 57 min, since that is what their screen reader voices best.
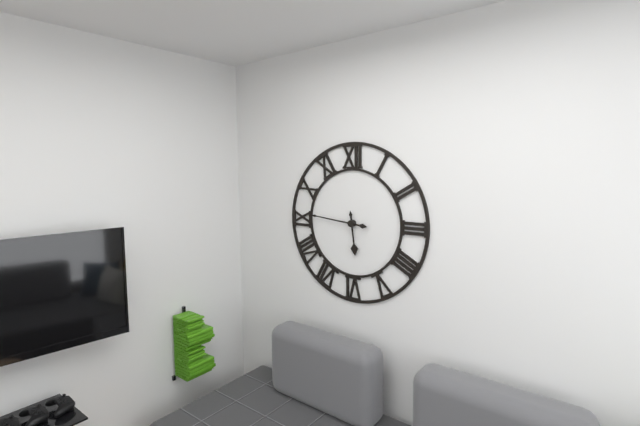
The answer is 5 h 46 min
